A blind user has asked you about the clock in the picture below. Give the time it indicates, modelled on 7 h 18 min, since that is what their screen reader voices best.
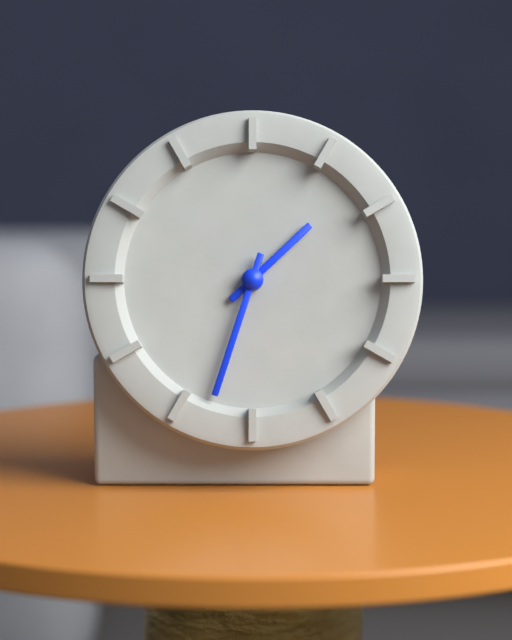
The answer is 1 h 33 min
